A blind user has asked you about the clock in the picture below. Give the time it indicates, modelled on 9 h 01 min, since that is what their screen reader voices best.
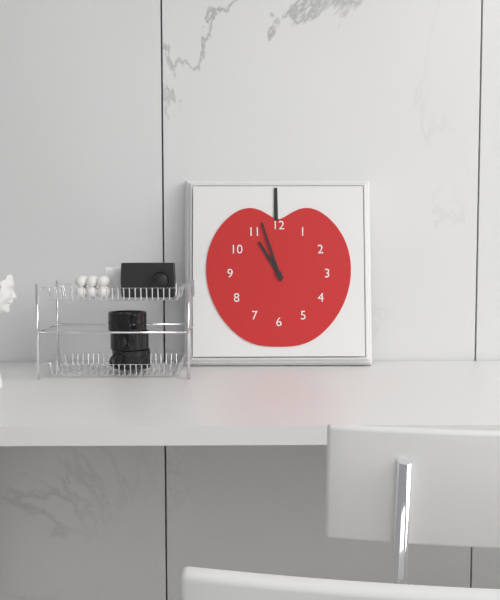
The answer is 10 h 57 min
